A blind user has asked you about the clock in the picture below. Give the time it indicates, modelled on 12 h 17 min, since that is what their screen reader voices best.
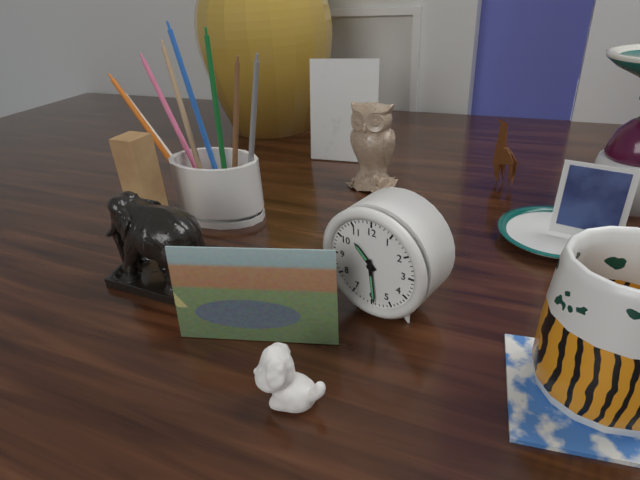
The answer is 10 h 29 min
